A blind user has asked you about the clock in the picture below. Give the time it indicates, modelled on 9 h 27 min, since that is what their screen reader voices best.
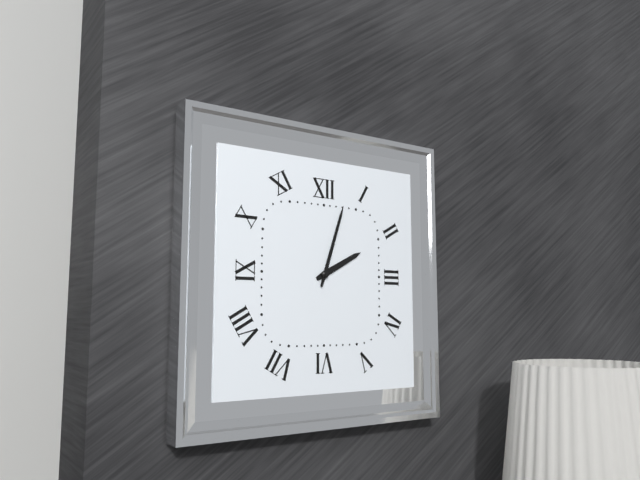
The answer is 2 h 03 min
